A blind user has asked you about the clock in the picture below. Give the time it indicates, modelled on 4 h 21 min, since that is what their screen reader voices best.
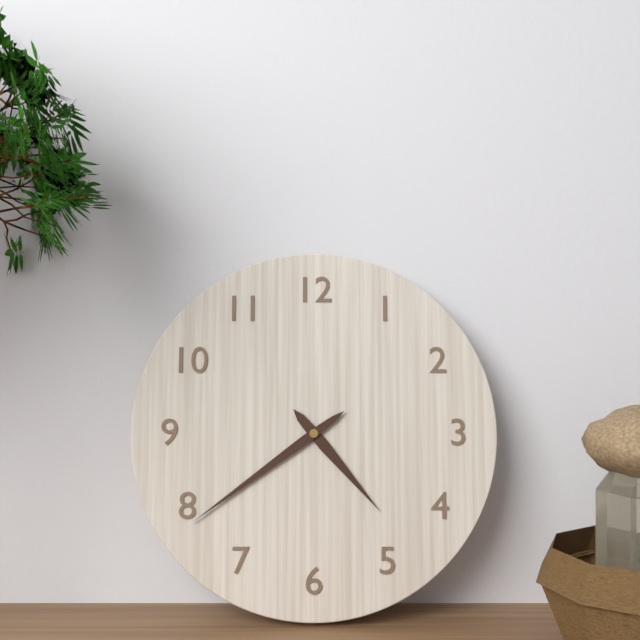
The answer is 4 h 39 min
